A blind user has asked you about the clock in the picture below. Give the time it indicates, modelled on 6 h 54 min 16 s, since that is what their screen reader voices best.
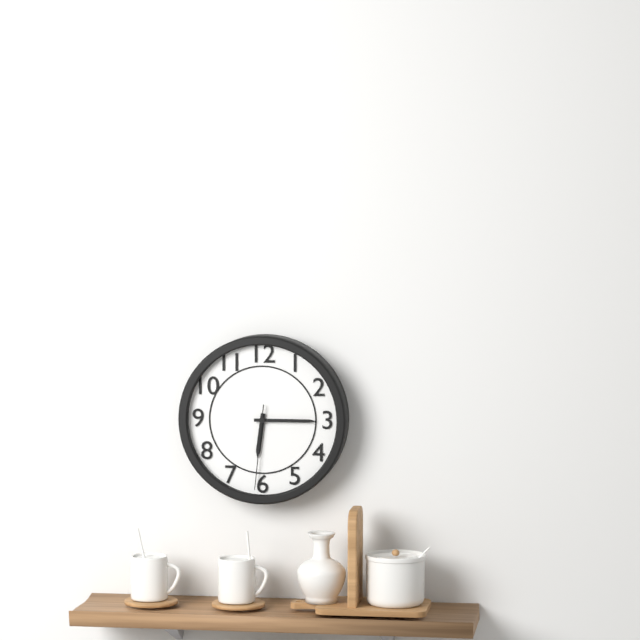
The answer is 6 h 15 min 31 s
